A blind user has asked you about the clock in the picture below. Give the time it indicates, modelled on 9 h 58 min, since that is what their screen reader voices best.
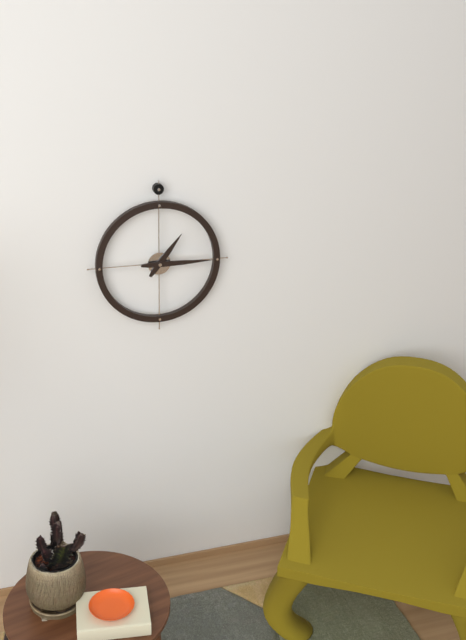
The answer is 1 h 15 min
